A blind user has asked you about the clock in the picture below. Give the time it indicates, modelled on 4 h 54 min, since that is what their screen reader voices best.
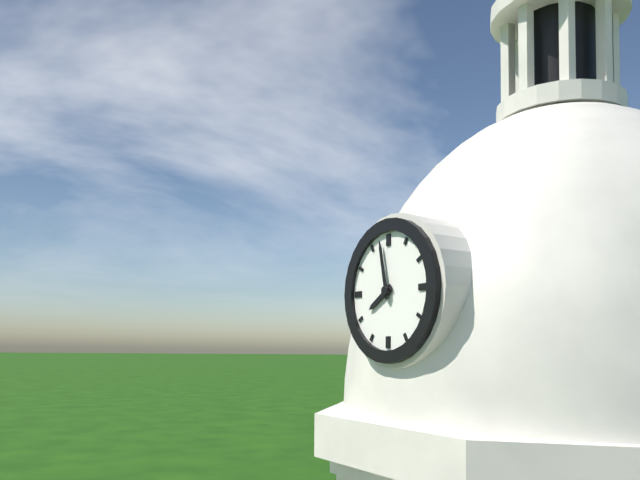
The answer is 7 h 58 min
